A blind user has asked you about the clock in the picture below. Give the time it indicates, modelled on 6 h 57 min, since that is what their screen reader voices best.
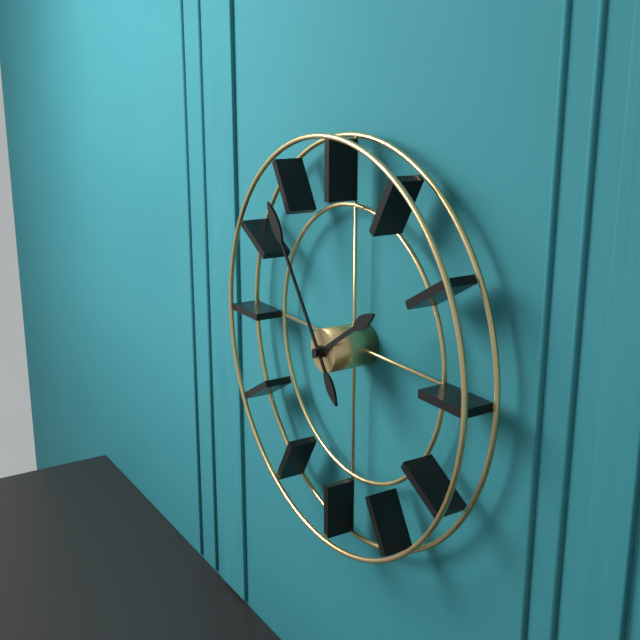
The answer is 1 h 54 min
